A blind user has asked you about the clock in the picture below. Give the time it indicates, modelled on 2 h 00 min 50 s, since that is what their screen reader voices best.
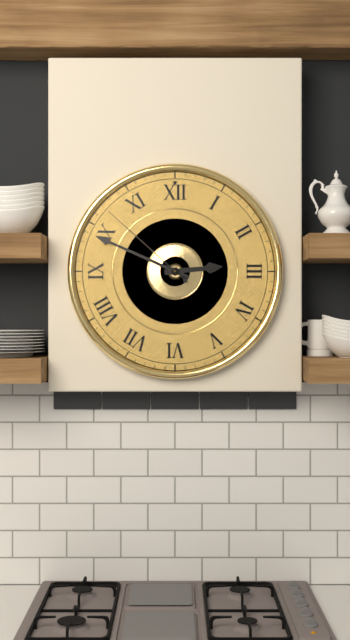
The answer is 2 h 49 min 52 s
